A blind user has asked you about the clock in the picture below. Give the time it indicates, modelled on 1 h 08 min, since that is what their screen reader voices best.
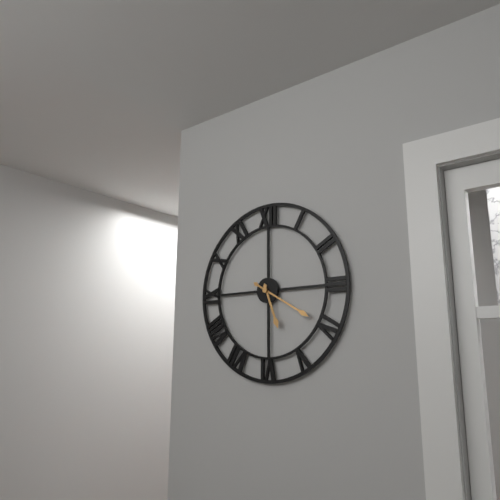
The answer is 5 h 20 min
